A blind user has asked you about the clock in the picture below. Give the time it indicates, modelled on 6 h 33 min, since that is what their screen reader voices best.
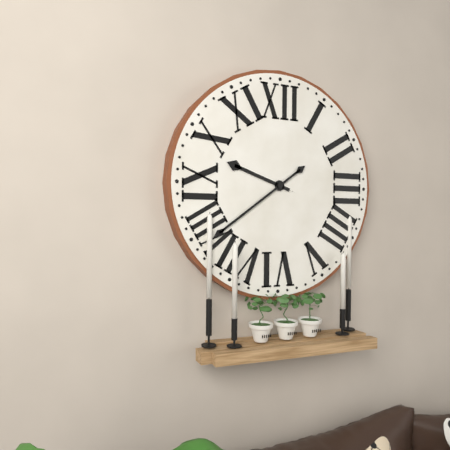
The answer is 9 h 39 min
